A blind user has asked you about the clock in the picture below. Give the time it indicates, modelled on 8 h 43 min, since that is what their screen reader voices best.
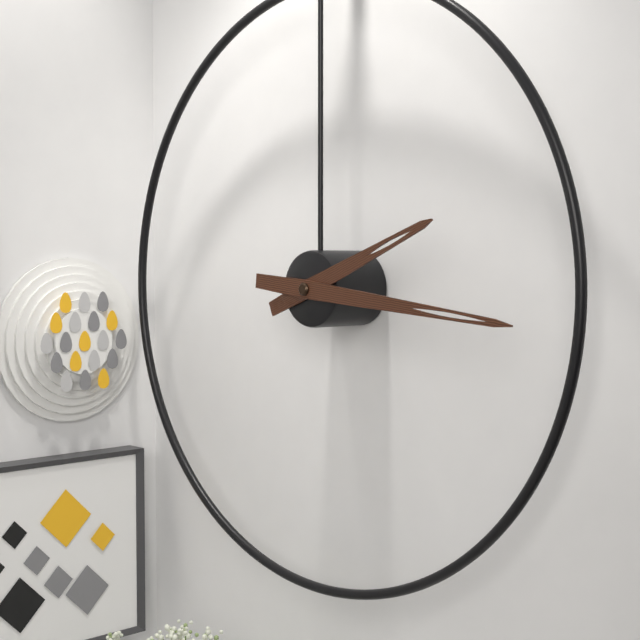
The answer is 2 h 16 min
